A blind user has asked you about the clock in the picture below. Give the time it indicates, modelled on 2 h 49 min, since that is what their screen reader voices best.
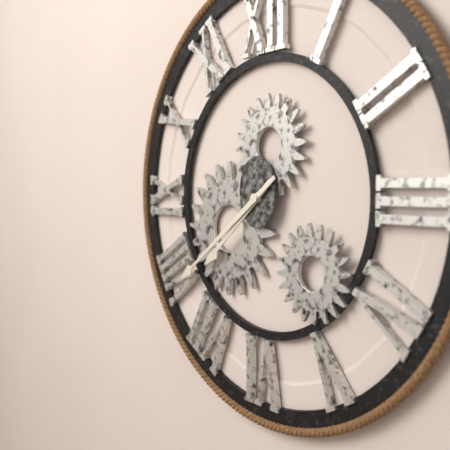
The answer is 7 h 39 min
